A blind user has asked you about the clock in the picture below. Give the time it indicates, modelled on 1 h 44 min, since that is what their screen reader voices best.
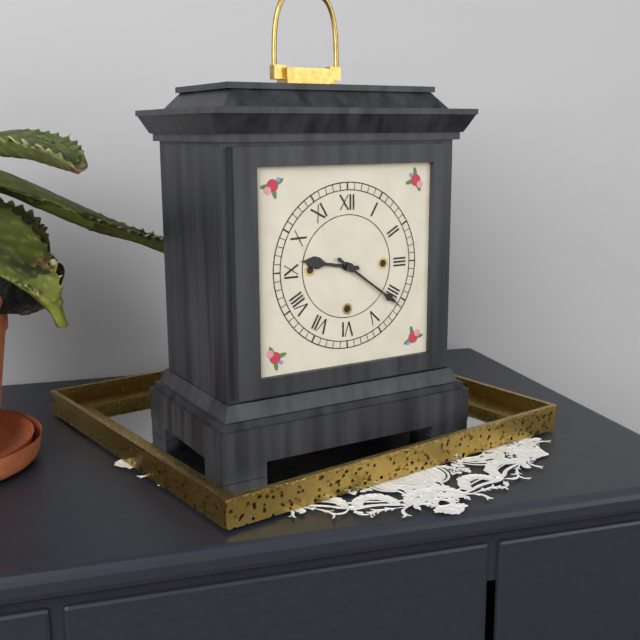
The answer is 9 h 21 min
